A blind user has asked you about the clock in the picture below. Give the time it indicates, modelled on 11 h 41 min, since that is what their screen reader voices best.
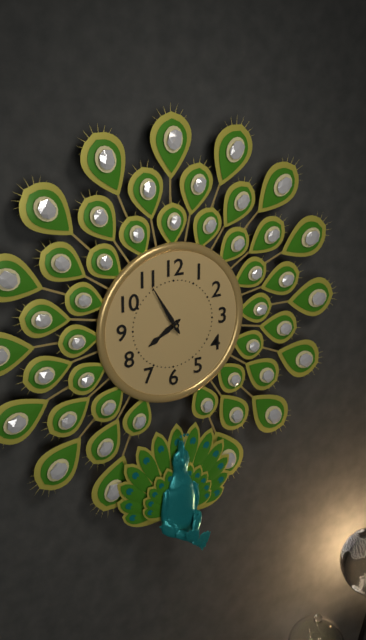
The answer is 7 h 55 min
